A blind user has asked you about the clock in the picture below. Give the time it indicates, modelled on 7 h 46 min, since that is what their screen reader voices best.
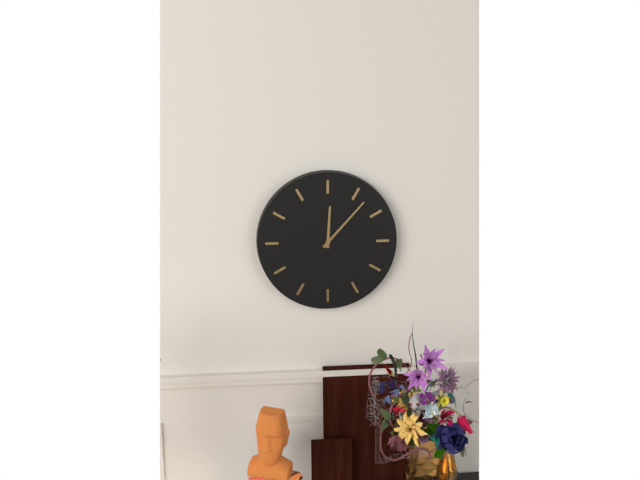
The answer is 12 h 07 min
